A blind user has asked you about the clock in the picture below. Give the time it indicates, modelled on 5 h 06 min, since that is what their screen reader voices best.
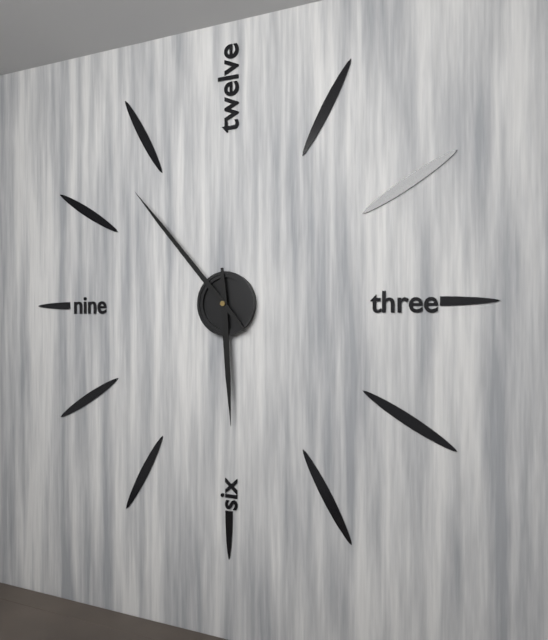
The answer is 5 h 53 min
